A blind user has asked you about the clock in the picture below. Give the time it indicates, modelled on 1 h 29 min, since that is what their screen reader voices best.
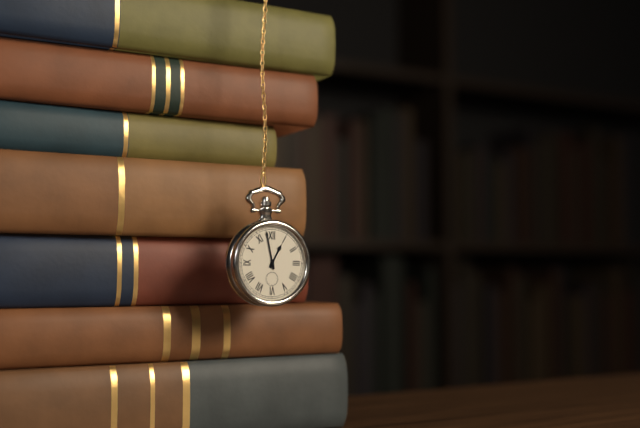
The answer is 12 h 58 min
